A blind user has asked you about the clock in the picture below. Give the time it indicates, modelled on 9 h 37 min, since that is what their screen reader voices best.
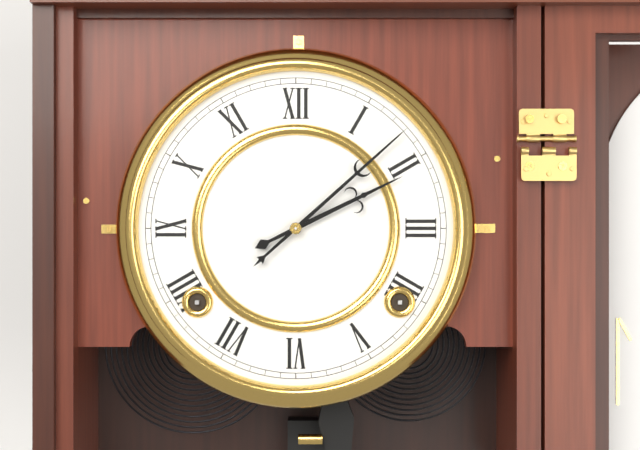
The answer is 2 h 08 min
